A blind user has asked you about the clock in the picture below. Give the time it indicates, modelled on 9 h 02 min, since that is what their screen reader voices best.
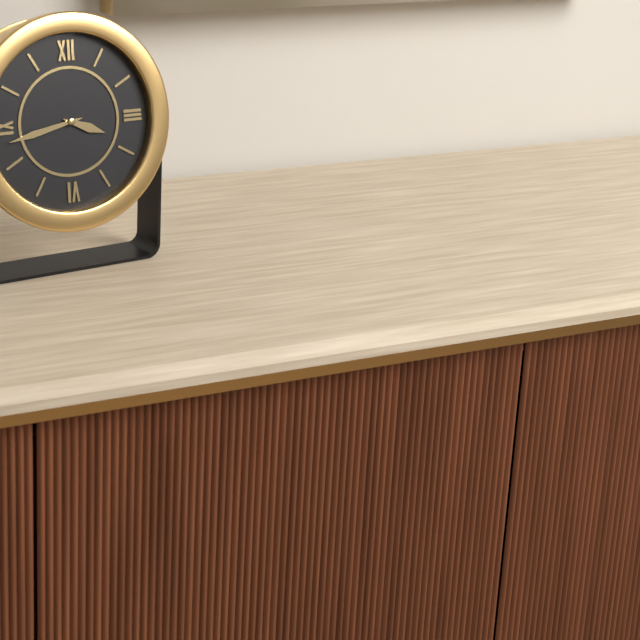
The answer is 3 h 43 min
